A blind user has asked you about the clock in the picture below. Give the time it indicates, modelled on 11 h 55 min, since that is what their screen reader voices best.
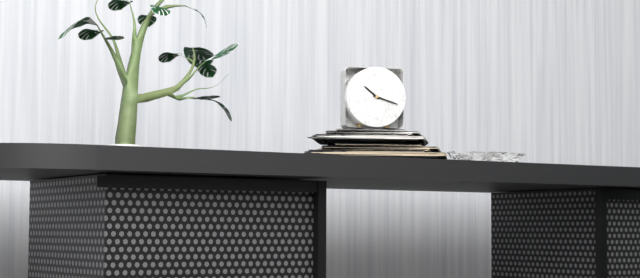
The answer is 10 h 18 min
